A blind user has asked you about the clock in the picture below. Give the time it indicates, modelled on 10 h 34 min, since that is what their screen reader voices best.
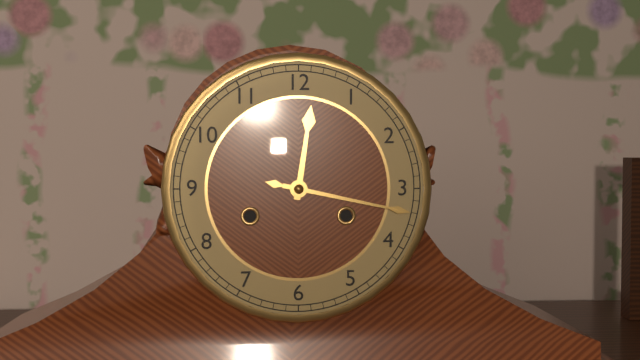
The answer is 12 h 17 min
